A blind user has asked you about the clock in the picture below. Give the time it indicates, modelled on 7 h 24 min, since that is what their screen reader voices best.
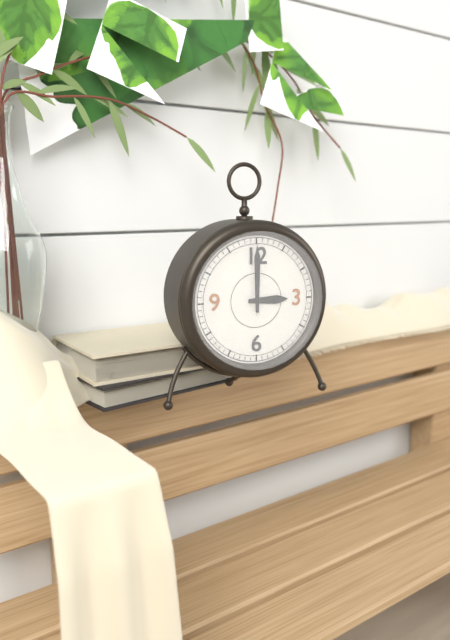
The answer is 3 h 00 min
